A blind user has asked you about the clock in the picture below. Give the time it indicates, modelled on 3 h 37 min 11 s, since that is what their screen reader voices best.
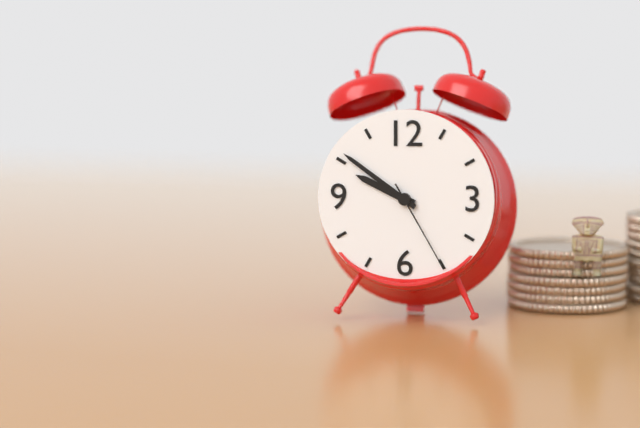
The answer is 9 h 51 min 25 s
